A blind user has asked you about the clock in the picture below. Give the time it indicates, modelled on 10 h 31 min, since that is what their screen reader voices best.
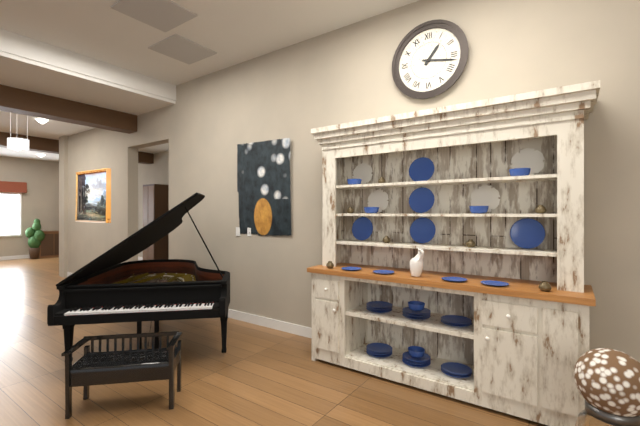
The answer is 1 h 17 min
